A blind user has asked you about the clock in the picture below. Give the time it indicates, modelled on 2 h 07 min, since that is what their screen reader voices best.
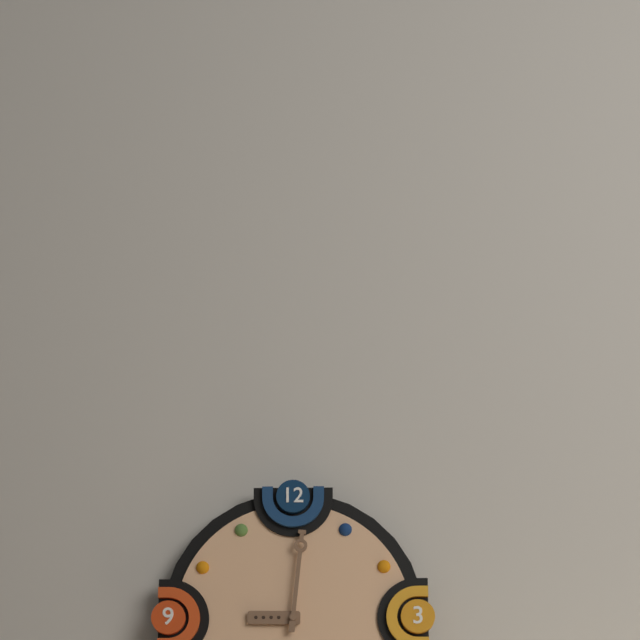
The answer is 9 h 01 min
